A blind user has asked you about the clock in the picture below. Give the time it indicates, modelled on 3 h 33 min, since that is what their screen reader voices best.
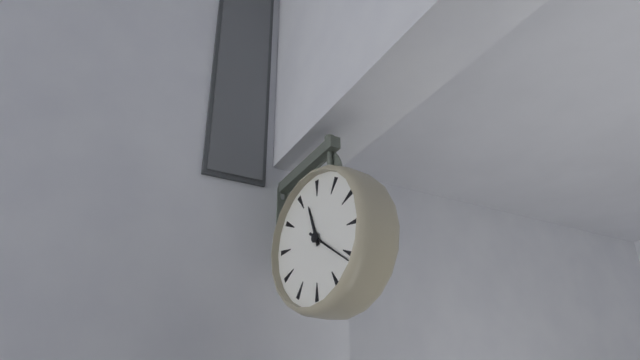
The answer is 11 h 21 min
